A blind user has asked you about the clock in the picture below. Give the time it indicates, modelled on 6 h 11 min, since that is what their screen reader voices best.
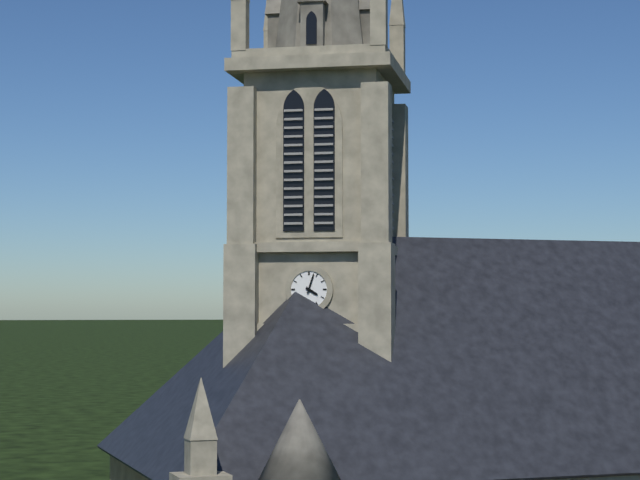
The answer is 4 h 03 min
